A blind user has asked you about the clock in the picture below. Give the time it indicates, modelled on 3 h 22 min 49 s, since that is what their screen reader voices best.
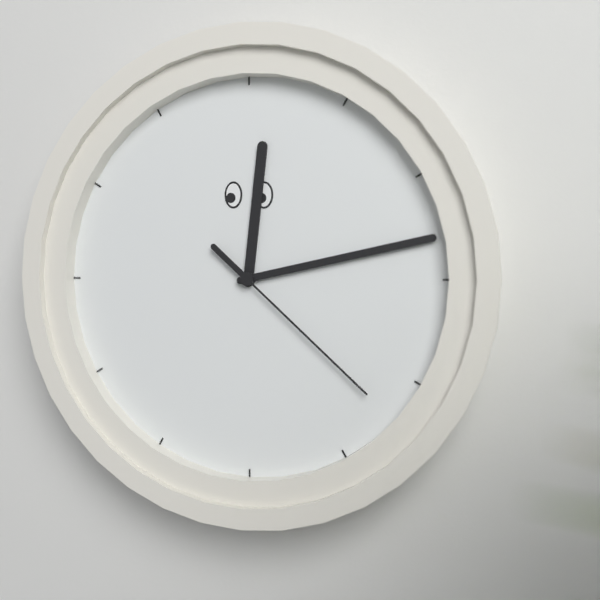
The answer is 12 h 13 min 22 s
